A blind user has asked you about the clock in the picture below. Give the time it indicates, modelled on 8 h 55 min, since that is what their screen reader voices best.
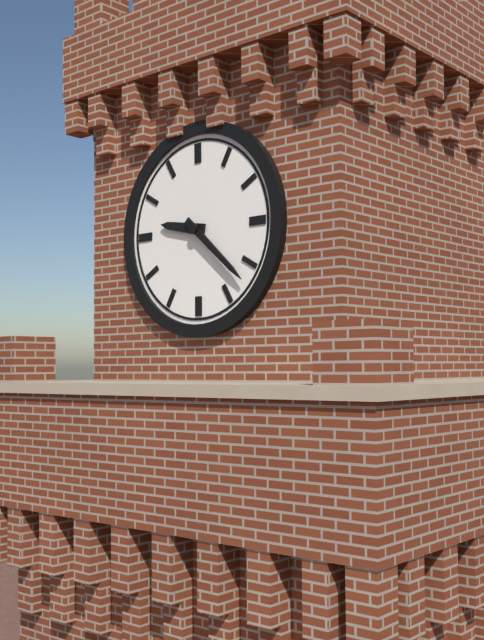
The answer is 9 h 22 min
